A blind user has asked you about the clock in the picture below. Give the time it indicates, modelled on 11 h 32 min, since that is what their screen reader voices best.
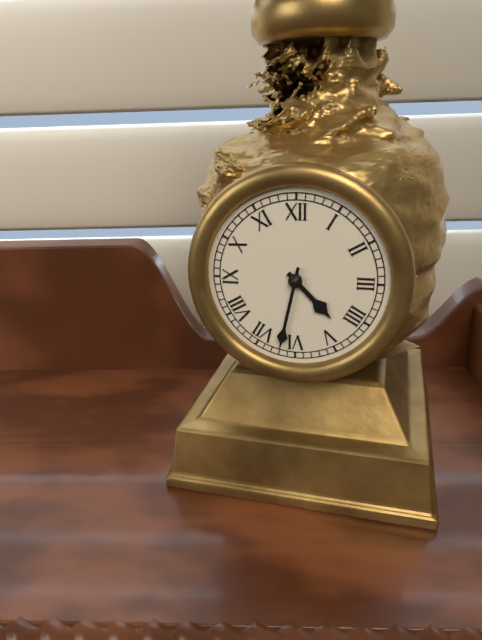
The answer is 4 h 32 min
